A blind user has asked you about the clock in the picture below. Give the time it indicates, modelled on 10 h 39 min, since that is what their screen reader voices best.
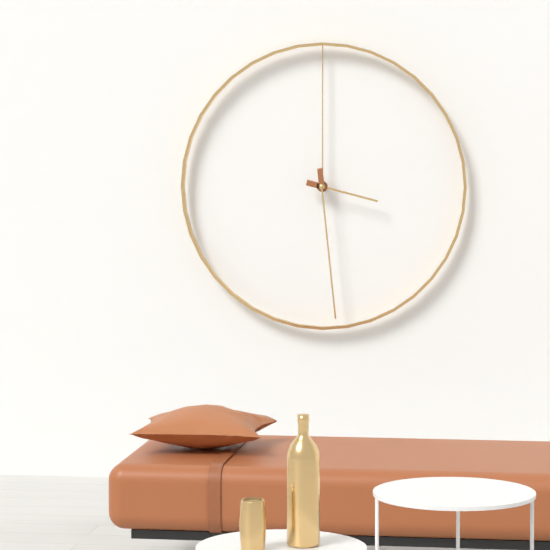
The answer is 3 h 29 min
